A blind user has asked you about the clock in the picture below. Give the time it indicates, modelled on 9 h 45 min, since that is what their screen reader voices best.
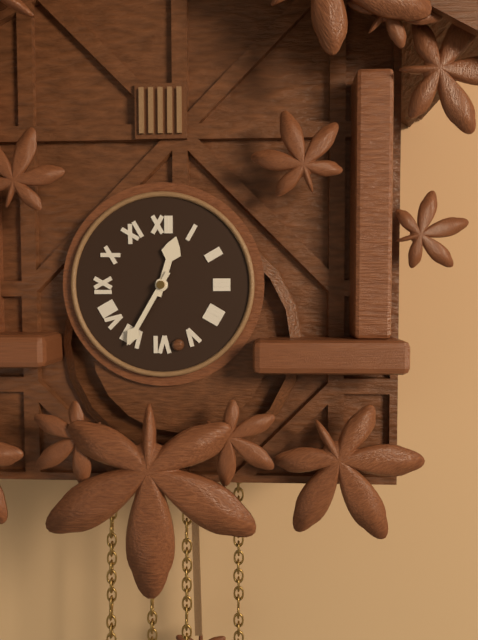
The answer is 12 h 35 min
